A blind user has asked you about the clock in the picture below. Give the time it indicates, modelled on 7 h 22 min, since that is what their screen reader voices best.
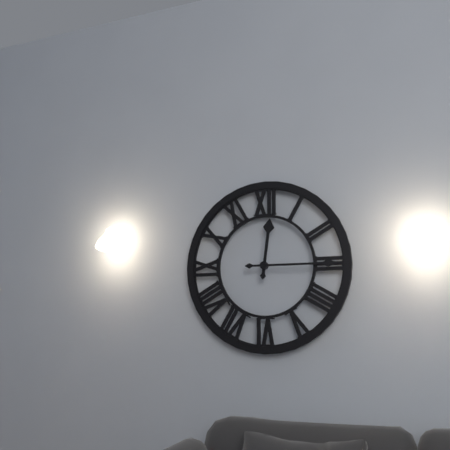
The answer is 12 h 15 min
